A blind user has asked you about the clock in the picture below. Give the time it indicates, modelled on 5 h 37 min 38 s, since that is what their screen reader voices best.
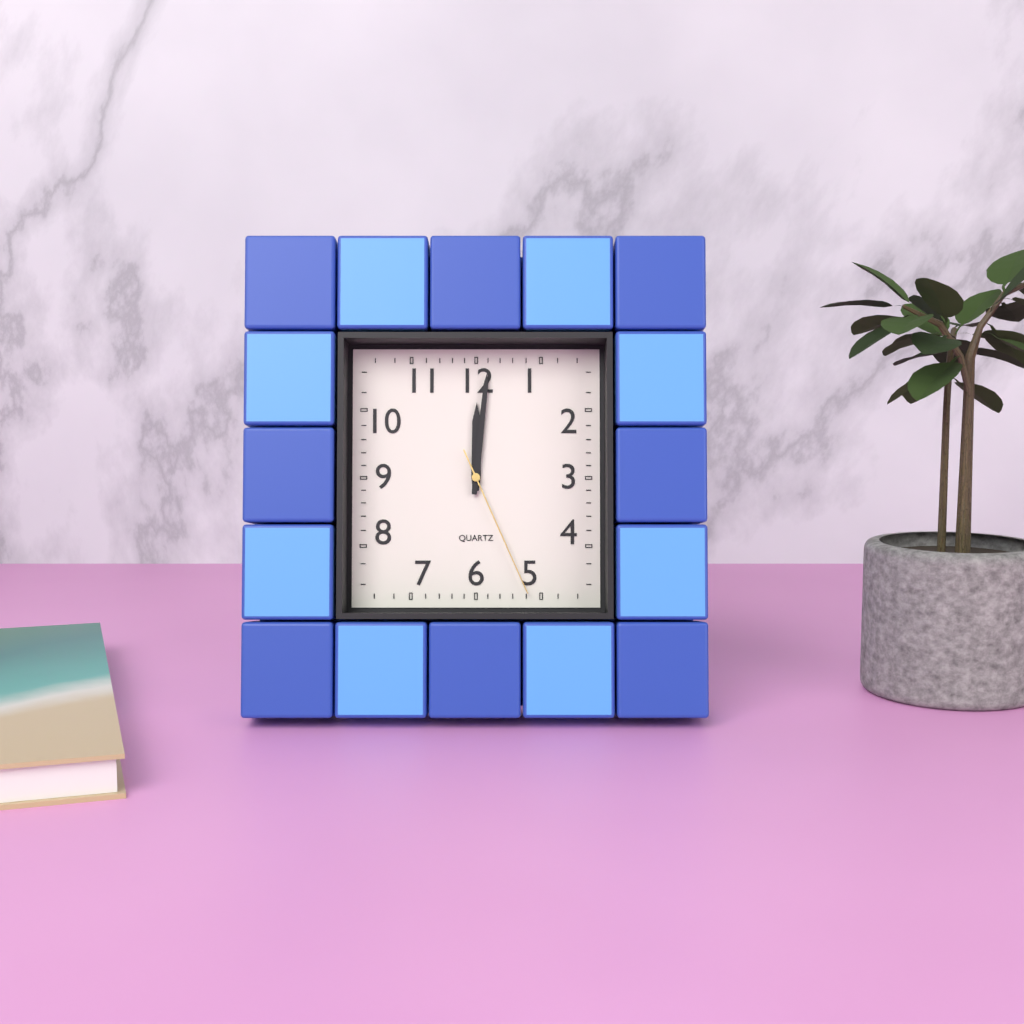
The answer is 12 h 01 min 26 s
